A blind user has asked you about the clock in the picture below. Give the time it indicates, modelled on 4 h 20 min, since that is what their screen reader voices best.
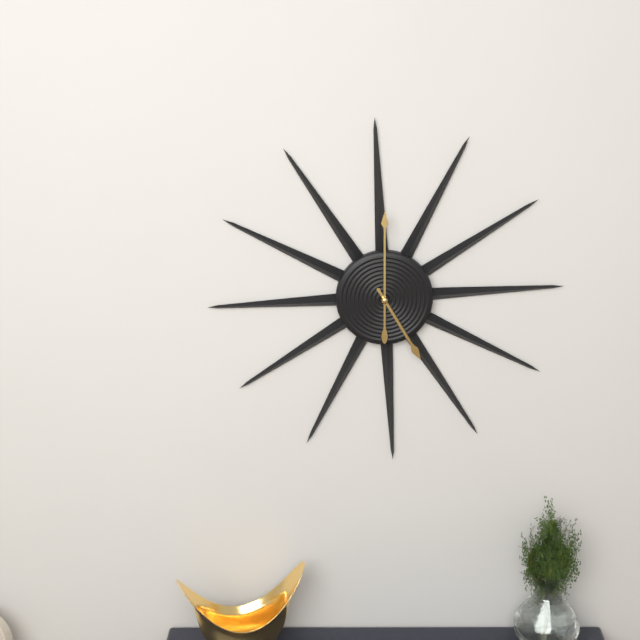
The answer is 5 h 00 min
